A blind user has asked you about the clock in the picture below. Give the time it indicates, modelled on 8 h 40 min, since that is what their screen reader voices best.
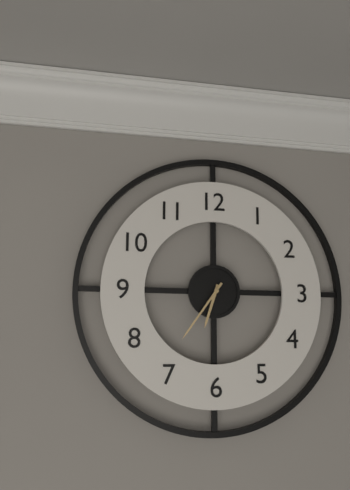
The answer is 6 h 36 min
